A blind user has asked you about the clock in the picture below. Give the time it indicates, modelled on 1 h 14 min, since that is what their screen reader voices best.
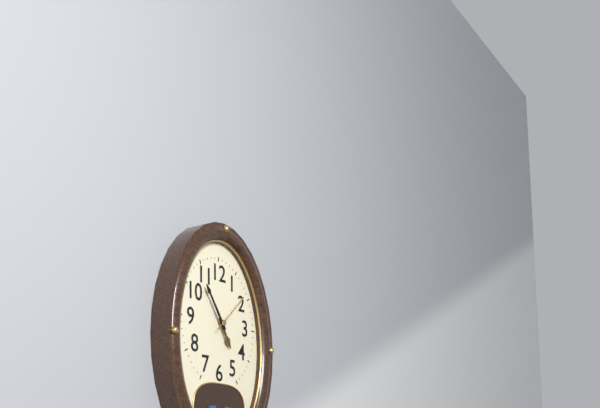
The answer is 4 h 54 min
